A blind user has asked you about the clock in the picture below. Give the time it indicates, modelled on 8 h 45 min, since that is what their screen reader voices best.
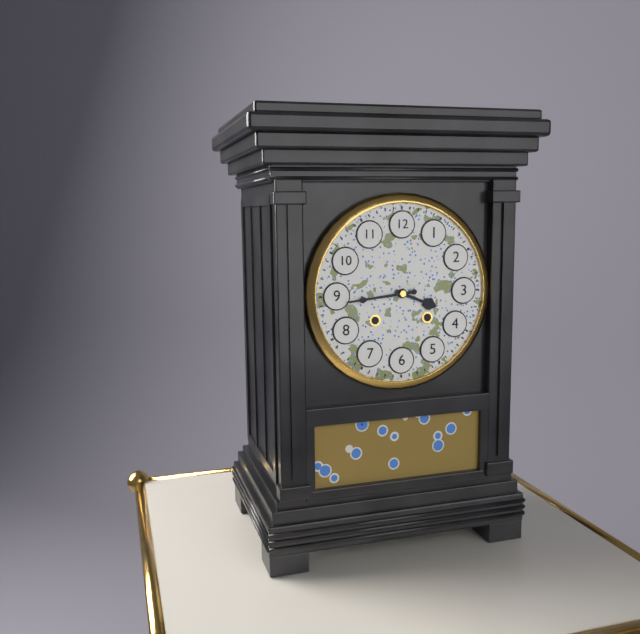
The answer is 3 h 44 min
